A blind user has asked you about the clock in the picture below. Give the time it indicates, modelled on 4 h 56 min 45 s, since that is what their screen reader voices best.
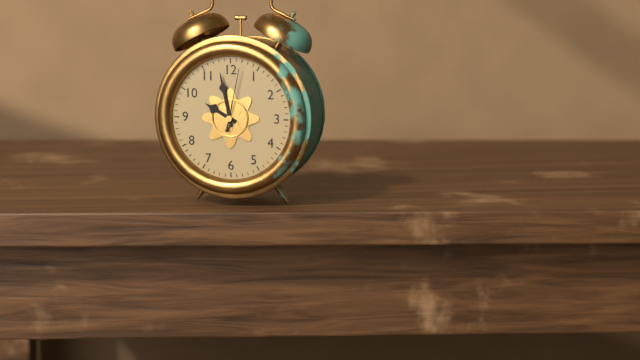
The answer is 9 h 58 min 02 s
